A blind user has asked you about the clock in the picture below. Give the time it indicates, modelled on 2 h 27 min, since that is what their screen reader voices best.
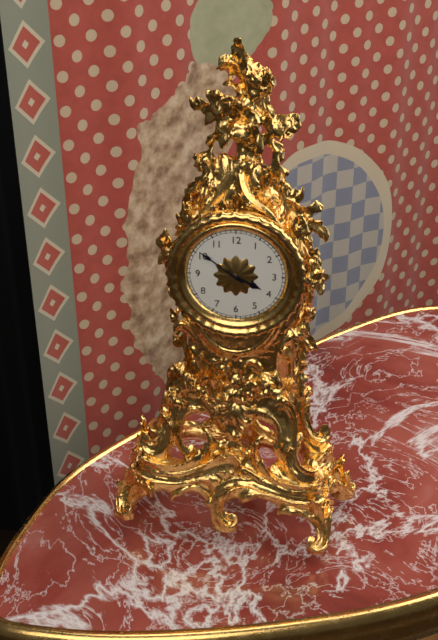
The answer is 3 h 51 min
